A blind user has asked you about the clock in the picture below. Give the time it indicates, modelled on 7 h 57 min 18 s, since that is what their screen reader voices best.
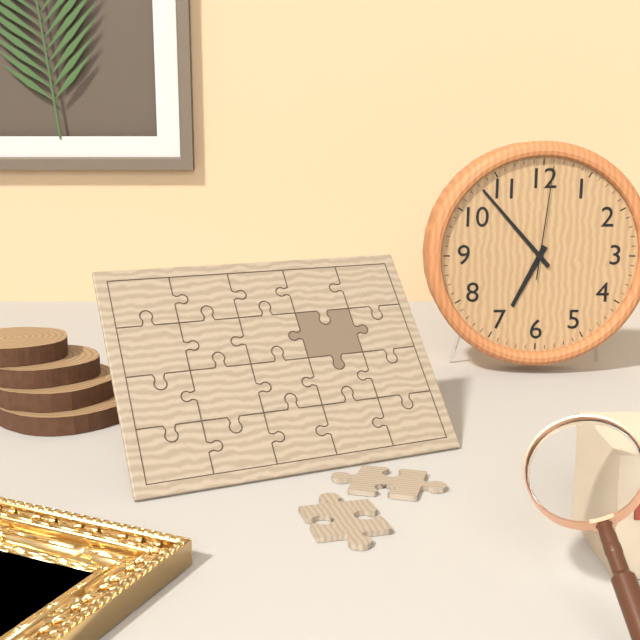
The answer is 6 h 53 min 01 s
